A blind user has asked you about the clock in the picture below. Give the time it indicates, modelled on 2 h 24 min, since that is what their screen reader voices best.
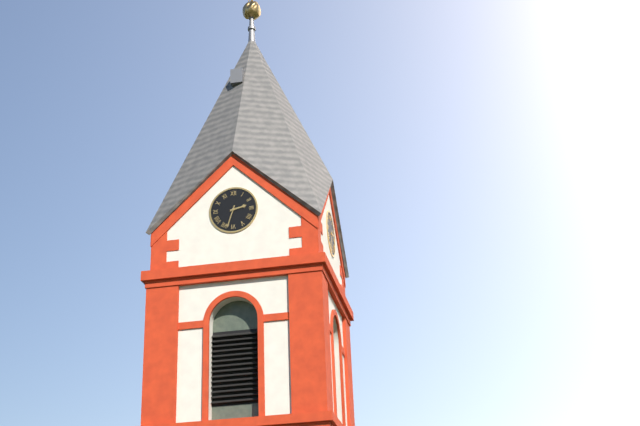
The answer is 2 h 33 min
